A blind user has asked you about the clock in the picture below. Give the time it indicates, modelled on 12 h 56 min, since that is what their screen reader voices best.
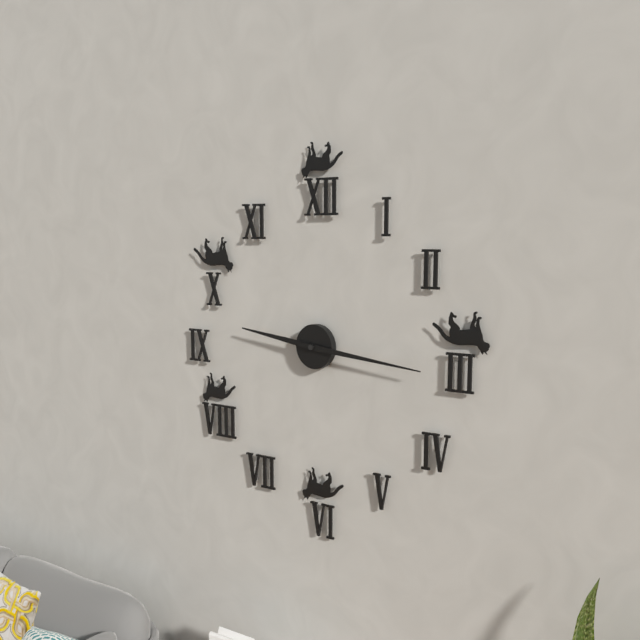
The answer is 9 h 16 min
